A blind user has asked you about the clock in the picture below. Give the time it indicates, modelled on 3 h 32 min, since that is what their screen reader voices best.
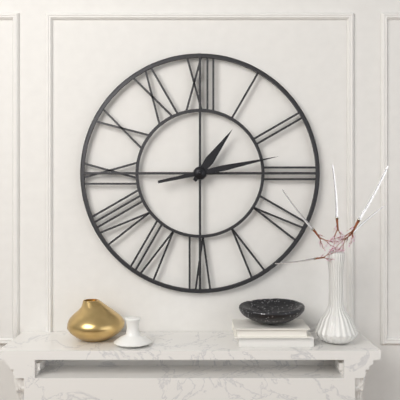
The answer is 1 h 13 min
